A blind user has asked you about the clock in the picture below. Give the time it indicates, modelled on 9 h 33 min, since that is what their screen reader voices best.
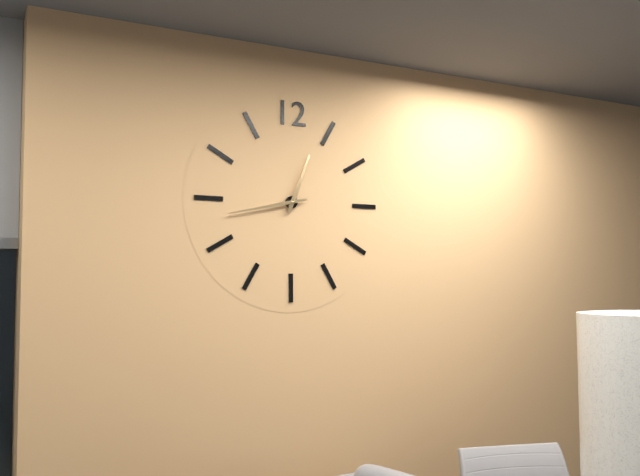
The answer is 12 h 43 min
